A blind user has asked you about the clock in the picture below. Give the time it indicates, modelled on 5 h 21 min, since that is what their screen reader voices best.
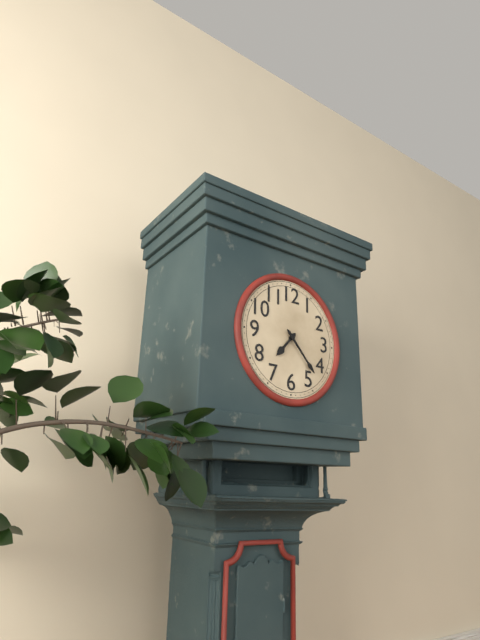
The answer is 7 h 23 min
